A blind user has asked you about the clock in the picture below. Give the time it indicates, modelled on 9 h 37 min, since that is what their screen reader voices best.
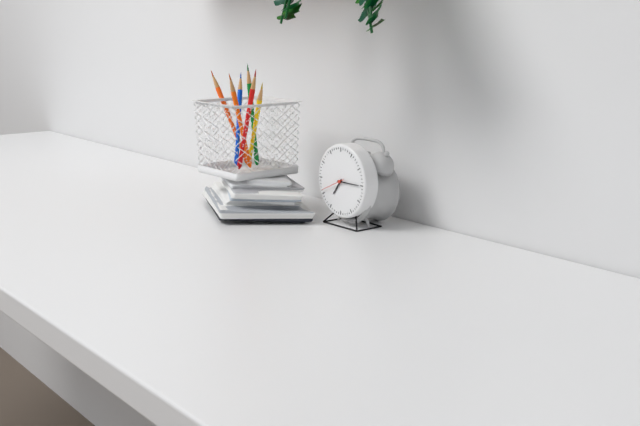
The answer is 7 h 15 min
